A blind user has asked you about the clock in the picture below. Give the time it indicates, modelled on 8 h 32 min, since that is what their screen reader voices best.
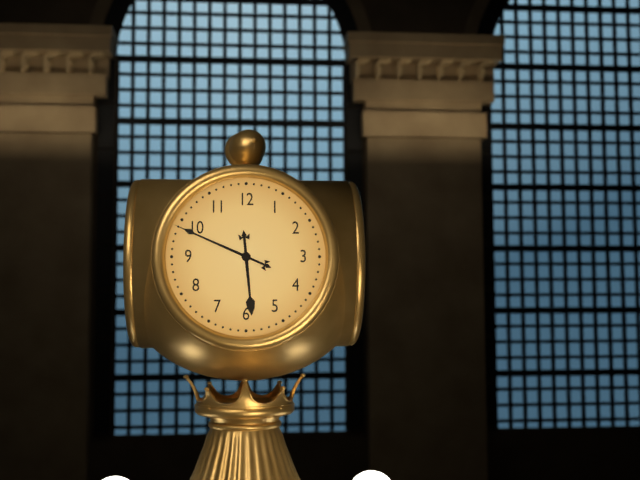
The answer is 5 h 49 min
